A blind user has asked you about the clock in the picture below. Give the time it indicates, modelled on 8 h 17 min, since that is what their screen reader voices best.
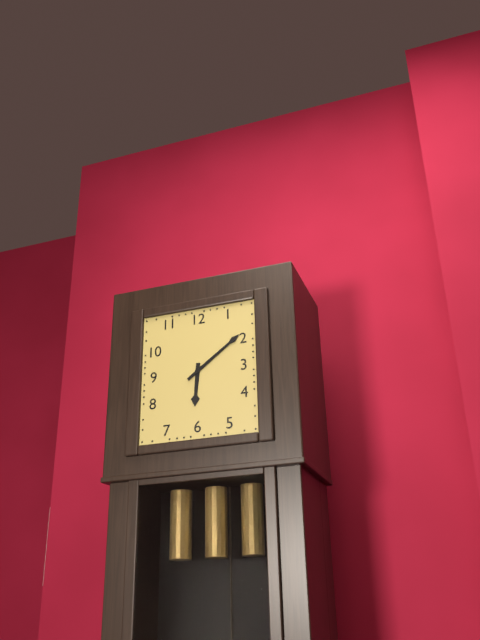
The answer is 6 h 09 min
